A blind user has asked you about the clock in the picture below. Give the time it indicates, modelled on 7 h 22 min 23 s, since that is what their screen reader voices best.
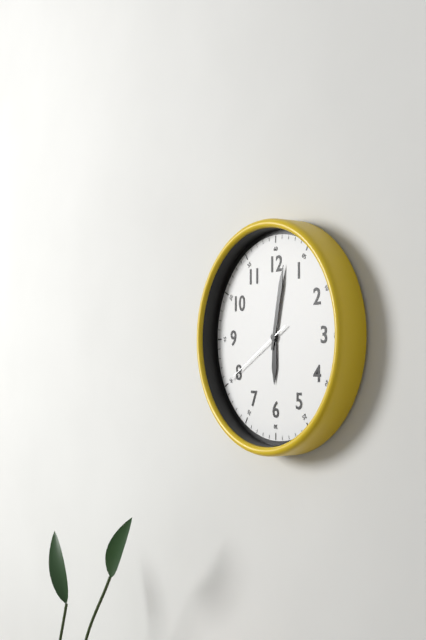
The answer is 6 h 02 min 40 s
